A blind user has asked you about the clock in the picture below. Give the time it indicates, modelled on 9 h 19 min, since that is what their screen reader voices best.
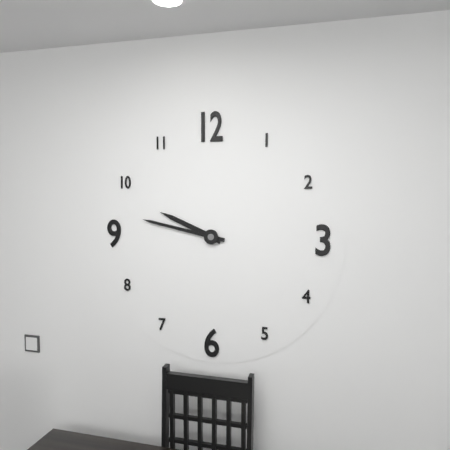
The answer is 9 h 47 min
